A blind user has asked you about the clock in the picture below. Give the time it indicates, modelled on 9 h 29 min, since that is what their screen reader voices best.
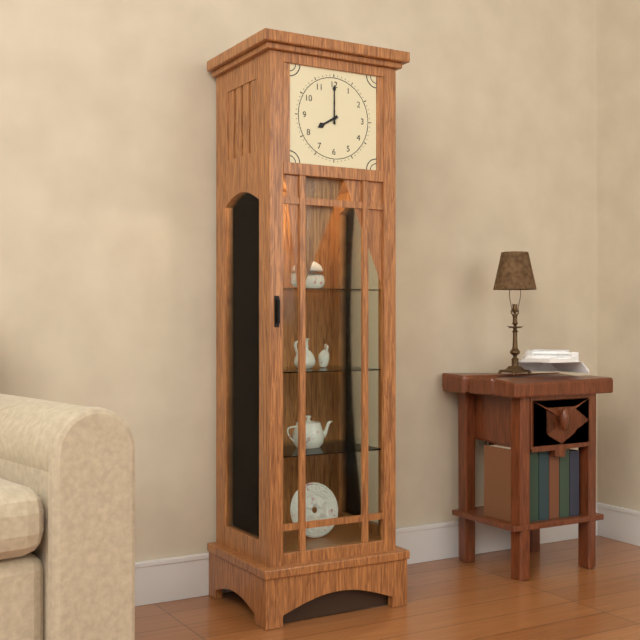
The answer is 8 h 00 min
